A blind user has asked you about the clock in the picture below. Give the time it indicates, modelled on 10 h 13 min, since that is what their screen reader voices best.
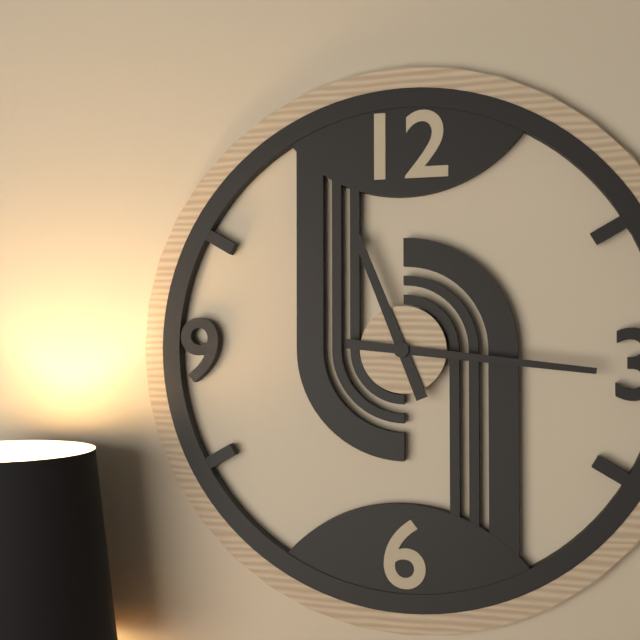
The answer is 11 h 16 min
